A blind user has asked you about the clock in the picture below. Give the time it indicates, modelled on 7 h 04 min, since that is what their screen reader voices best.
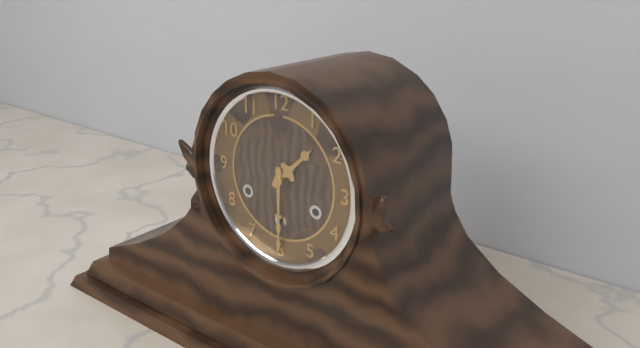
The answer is 1 h 30 min
